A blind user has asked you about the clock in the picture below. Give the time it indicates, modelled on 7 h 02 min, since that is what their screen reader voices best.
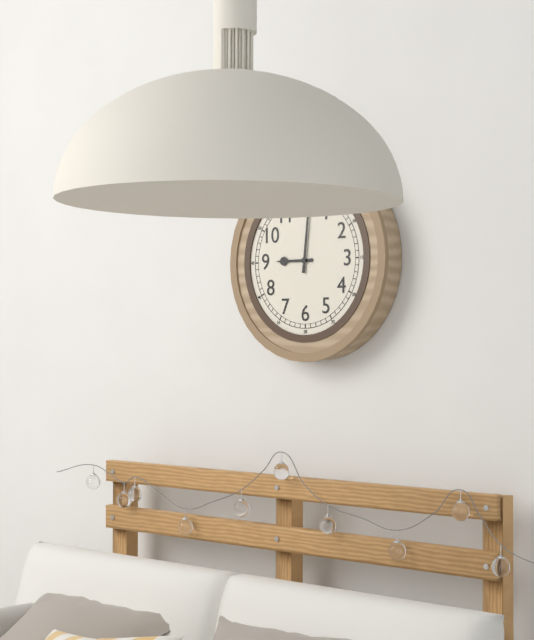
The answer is 9 h 01 min
